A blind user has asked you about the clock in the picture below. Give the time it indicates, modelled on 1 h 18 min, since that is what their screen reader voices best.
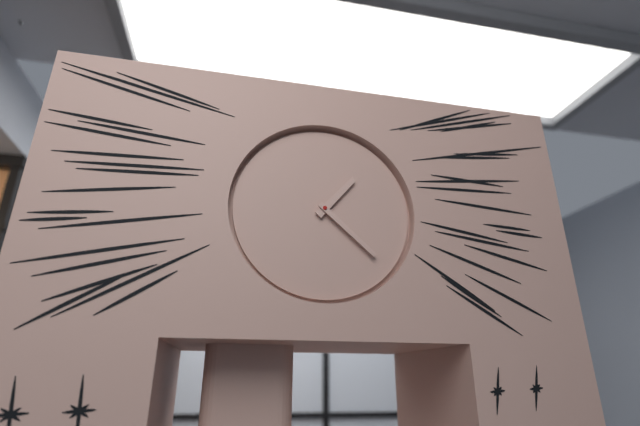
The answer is 1 h 22 min
